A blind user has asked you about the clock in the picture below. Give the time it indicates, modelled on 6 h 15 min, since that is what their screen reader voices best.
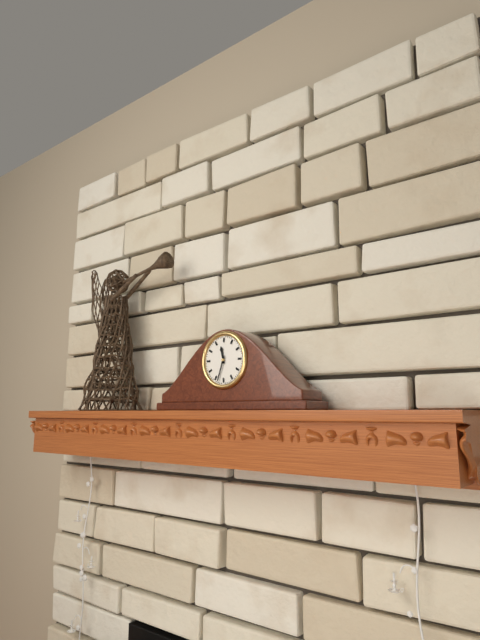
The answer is 11 h 33 min
